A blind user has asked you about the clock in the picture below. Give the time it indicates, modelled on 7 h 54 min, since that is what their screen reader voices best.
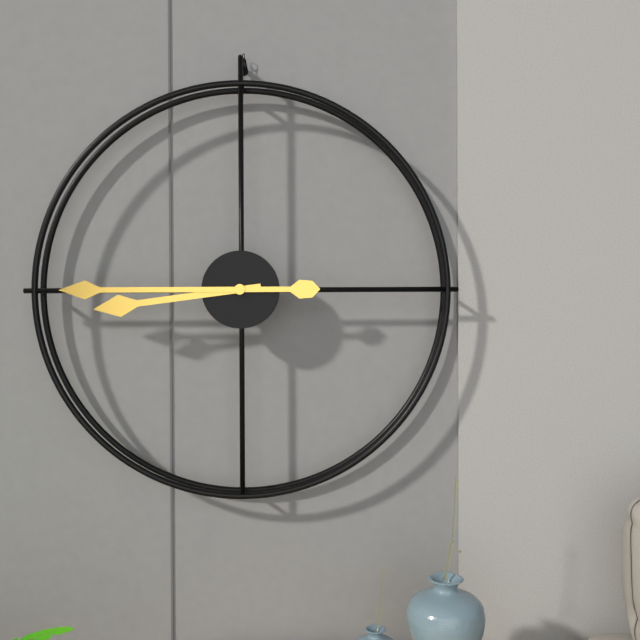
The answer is 8 h 45 min
